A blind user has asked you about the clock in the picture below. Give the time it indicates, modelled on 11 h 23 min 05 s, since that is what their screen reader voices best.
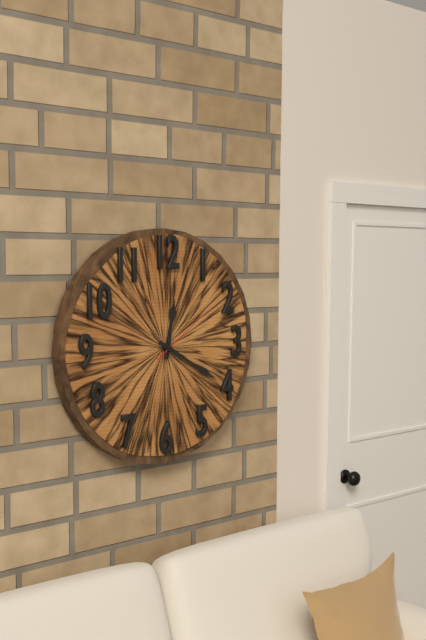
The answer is 12 h 20 min 09 s
